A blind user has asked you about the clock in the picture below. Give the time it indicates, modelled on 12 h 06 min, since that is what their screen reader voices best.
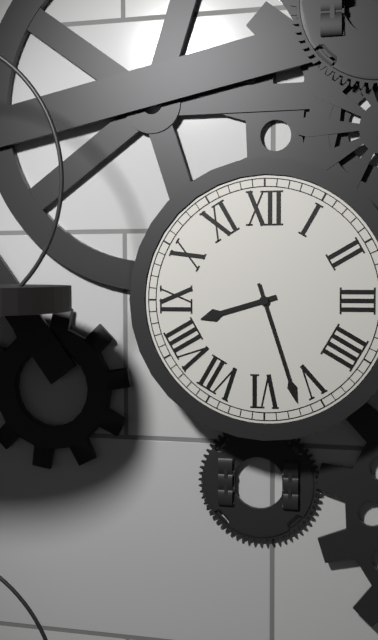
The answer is 8 h 27 min
